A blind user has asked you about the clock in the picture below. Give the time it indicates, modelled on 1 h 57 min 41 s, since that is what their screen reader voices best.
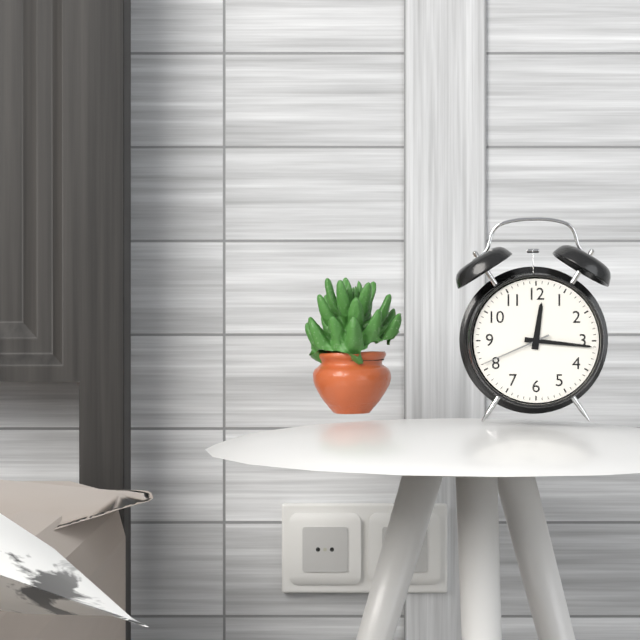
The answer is 12 h 16 min 41 s
